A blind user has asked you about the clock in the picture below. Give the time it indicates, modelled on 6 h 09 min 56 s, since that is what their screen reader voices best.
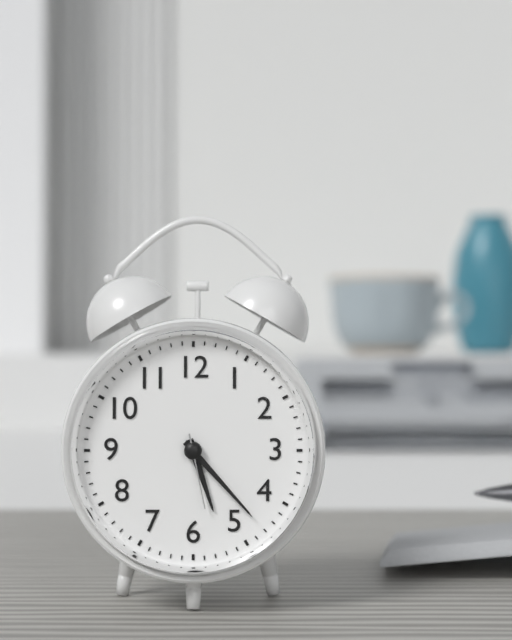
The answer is 5 h 23 min 28 s
